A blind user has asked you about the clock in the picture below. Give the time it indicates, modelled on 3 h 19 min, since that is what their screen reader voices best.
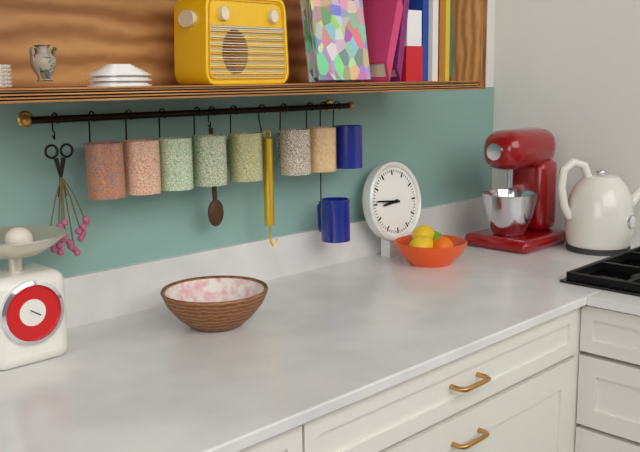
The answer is 8 h 46 min
